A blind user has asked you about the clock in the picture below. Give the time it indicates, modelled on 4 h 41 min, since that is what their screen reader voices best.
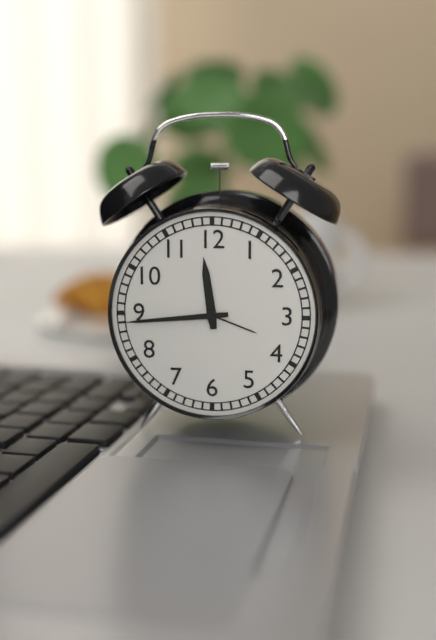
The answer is 11 h 44 min
